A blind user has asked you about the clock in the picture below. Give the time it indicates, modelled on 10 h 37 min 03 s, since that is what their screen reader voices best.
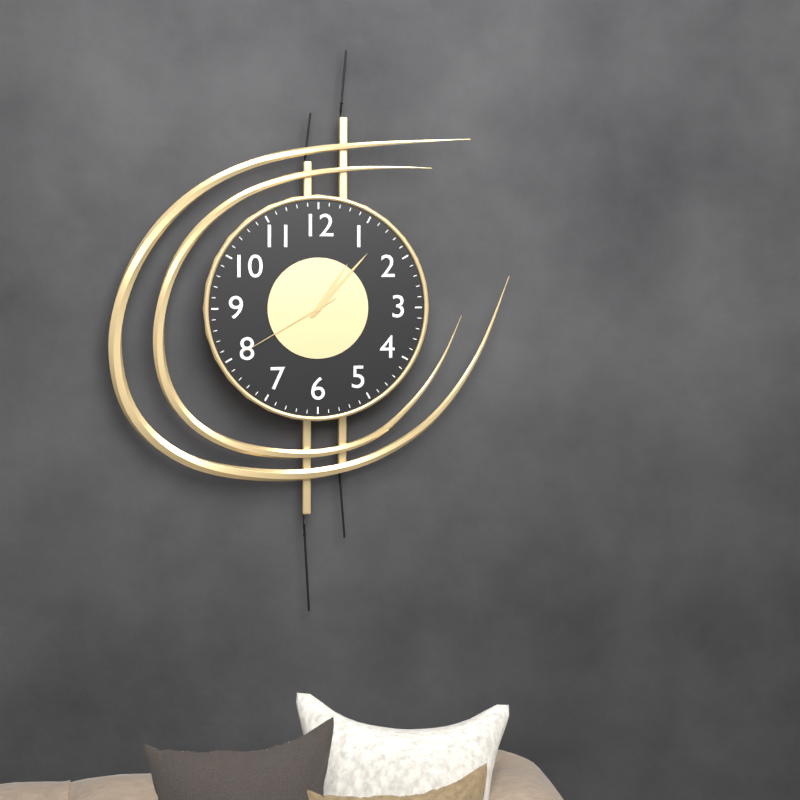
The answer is 1 h 07 min 40 s
